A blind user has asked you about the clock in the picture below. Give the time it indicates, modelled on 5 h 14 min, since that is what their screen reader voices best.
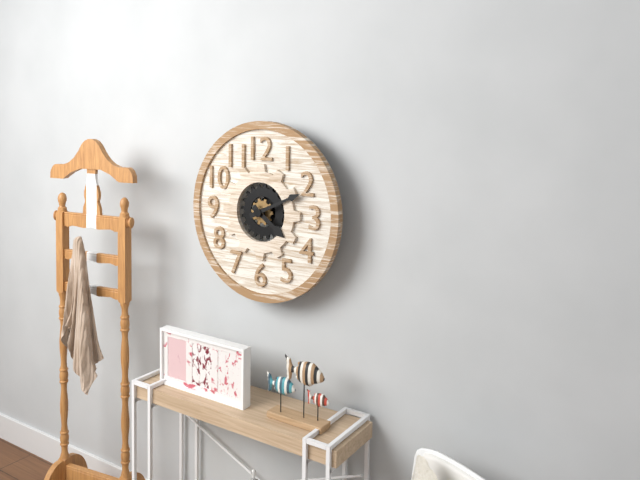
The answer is 4 h 11 min
